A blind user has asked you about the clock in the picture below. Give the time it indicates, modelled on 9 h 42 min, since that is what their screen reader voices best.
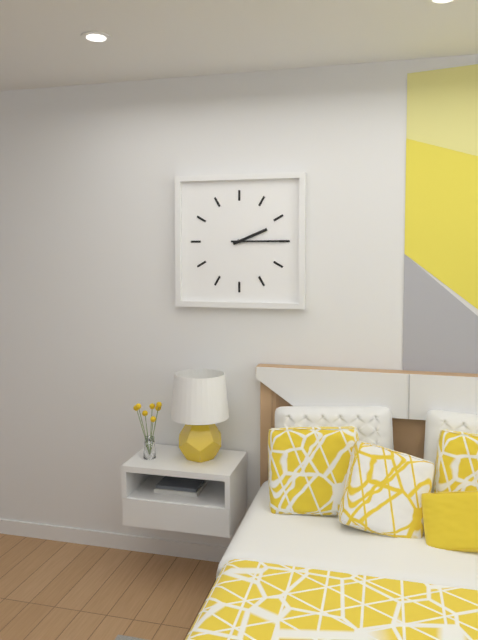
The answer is 2 h 15 min
